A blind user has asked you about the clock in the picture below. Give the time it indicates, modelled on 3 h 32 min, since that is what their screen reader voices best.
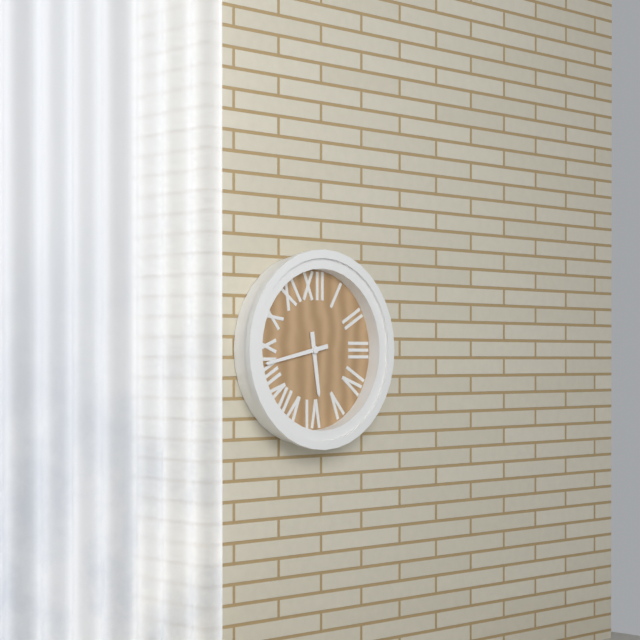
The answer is 5 h 43 min
